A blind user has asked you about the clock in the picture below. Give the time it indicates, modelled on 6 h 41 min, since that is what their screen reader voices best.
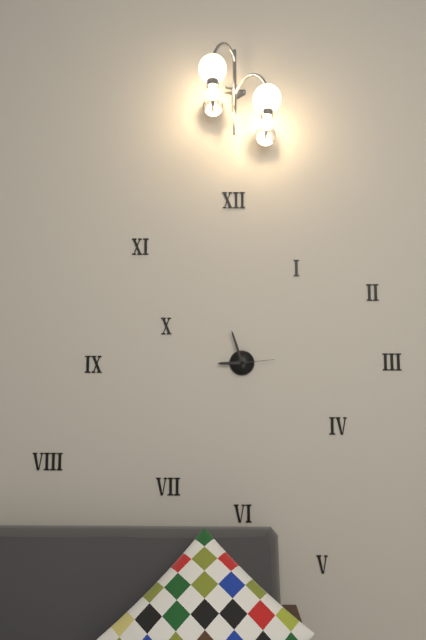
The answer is 8 h 57 min
